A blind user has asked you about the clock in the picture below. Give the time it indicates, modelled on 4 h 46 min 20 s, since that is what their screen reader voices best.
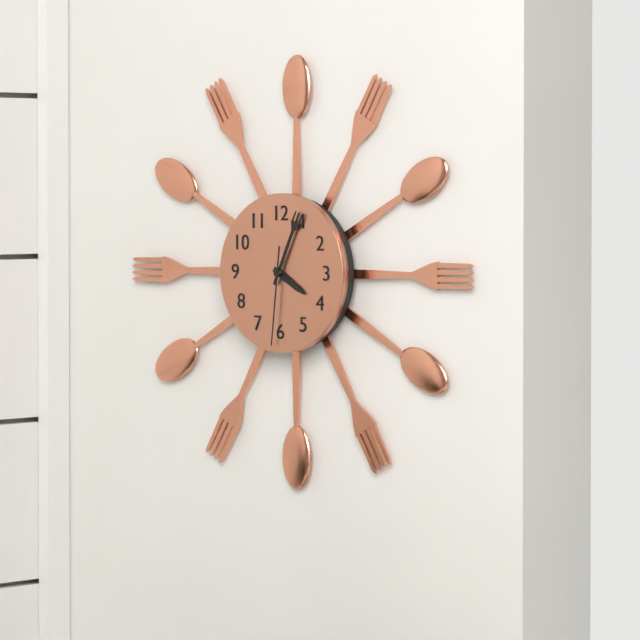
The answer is 4 h 04 min 31 s
